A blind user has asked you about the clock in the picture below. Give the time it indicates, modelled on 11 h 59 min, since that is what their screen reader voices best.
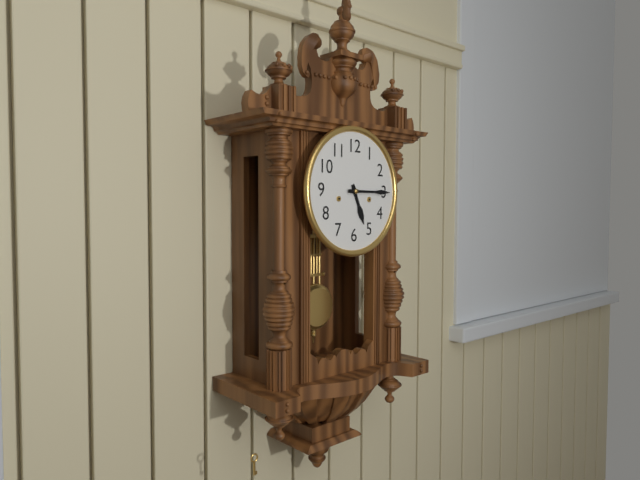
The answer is 5 h 15 min
